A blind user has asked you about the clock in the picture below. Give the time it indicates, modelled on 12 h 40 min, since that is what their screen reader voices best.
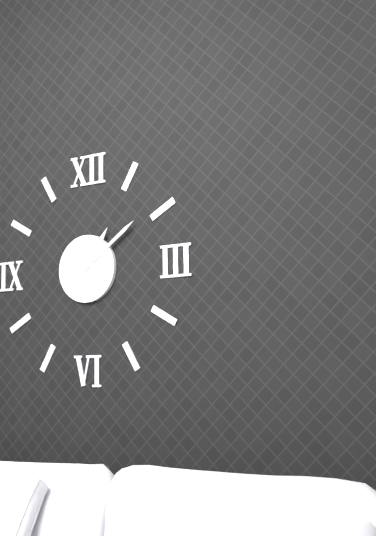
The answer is 1 h 09 min
